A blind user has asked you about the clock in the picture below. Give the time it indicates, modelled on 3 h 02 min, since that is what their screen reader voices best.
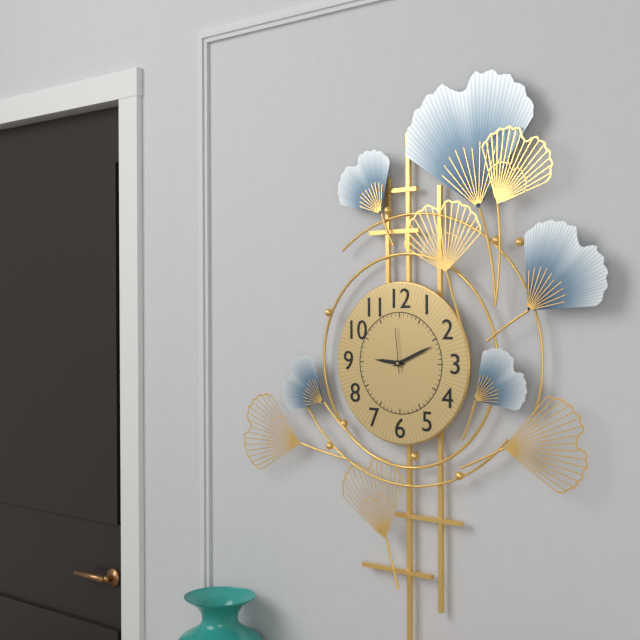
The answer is 9 h 11 min
